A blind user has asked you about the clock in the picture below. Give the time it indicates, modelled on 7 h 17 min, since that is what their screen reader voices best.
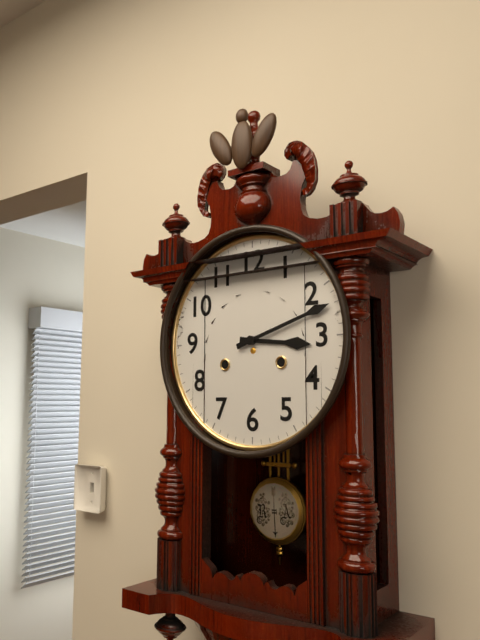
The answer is 3 h 12 min
